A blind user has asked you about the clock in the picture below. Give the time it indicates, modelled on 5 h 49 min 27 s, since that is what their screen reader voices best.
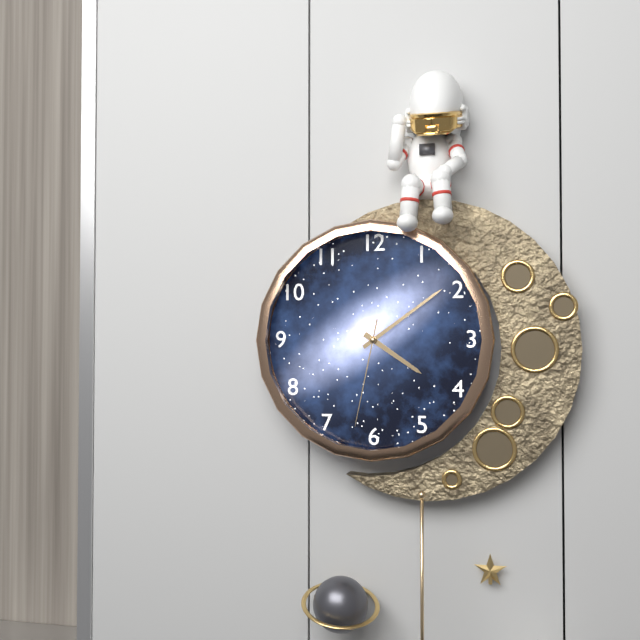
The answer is 4 h 09 min 32 s
